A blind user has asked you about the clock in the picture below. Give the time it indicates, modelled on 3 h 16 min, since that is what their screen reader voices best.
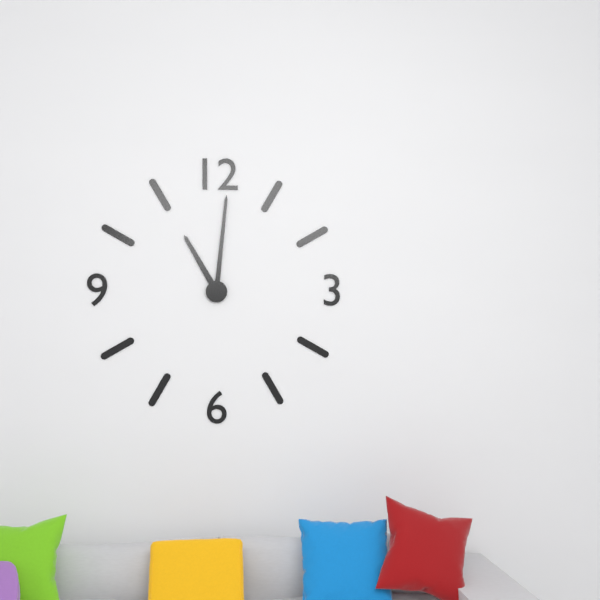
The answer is 11 h 01 min
